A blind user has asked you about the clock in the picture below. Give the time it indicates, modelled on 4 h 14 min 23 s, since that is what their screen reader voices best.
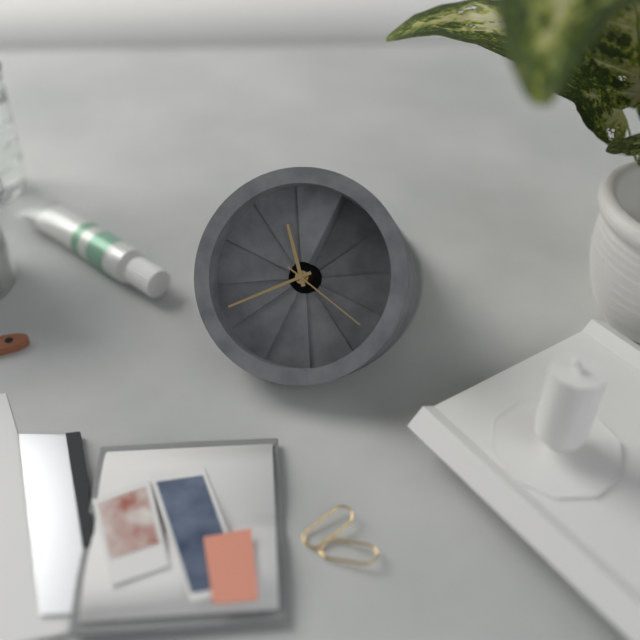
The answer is 10 h 37 min 17 s
